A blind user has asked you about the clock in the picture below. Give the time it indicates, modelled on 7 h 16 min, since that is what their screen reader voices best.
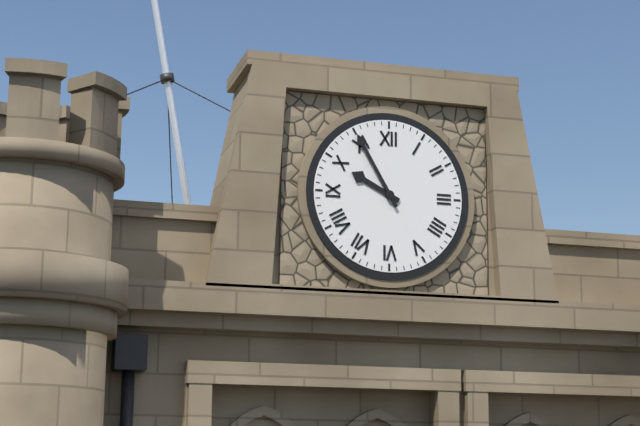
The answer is 9 h 55 min
